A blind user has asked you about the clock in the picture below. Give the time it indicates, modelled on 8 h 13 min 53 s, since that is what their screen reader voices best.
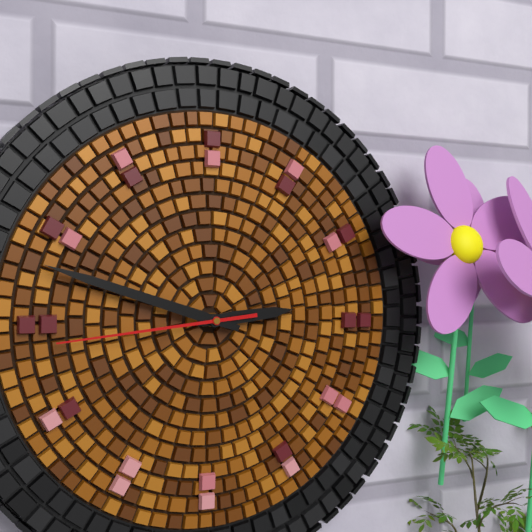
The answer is 2 h 48 min 44 s
